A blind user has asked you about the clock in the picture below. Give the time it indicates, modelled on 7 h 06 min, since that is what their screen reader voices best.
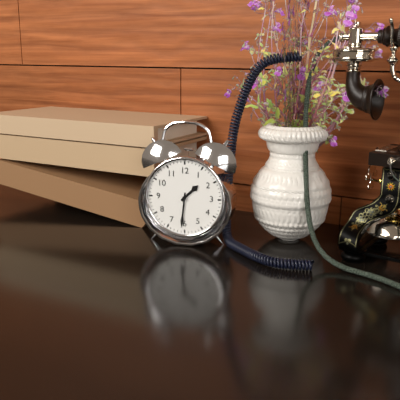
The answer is 1 h 31 min
